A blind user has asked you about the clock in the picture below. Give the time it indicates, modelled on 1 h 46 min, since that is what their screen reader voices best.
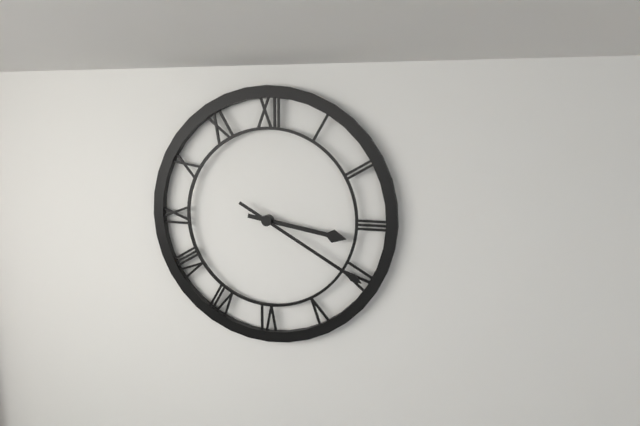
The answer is 3 h 20 min
